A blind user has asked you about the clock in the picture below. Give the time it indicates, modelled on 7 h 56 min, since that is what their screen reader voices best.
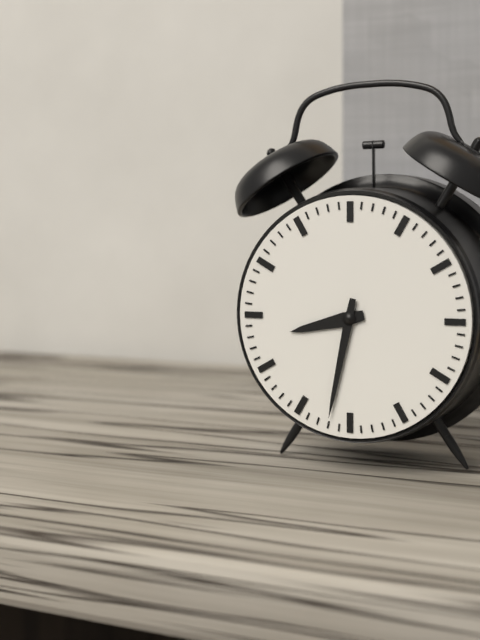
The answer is 8 h 32 min
